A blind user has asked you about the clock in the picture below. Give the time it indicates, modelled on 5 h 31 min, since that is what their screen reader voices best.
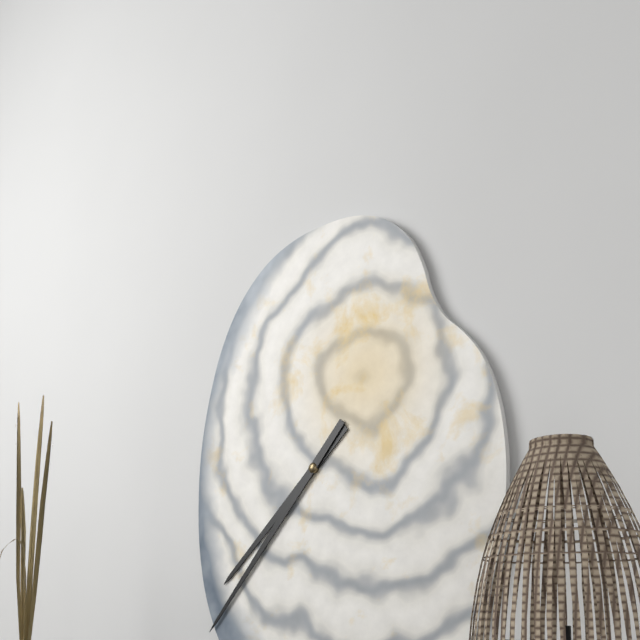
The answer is 7 h 37 min
